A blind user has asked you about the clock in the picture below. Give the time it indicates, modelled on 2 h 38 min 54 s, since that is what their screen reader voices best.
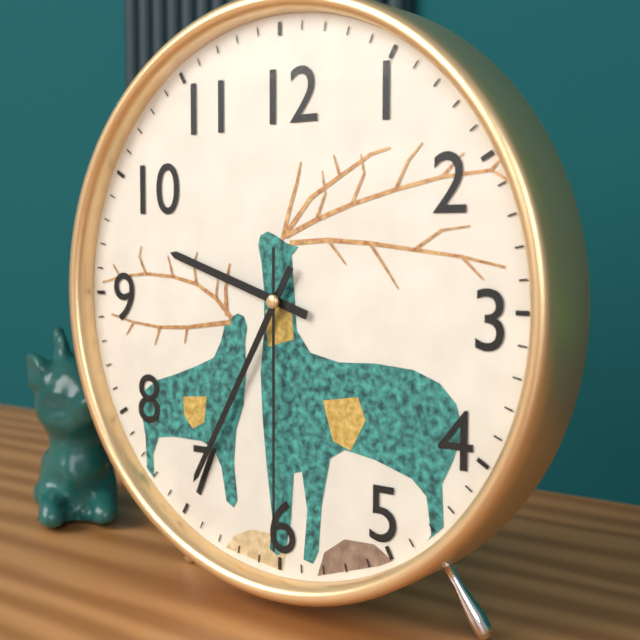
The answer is 9 h 35 min 30 s
